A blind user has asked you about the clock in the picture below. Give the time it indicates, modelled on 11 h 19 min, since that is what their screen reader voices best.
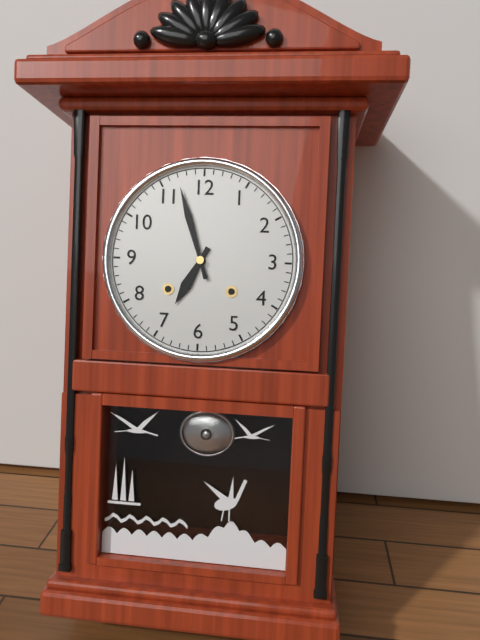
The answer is 6 h 57 min
